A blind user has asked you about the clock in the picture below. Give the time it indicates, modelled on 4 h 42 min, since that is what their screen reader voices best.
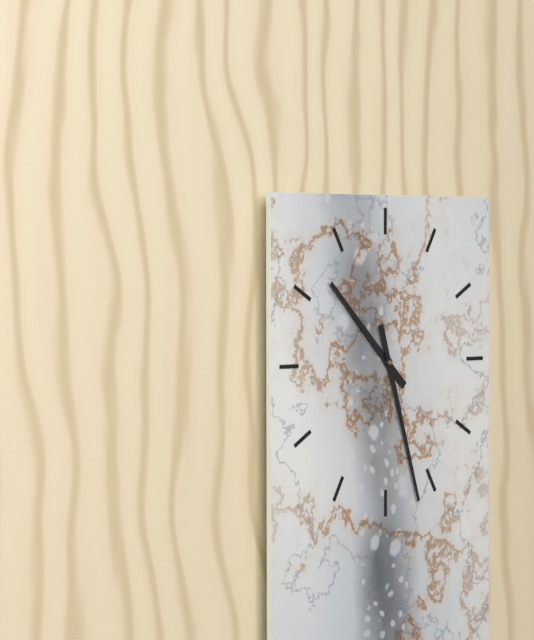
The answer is 10 h 27 min
